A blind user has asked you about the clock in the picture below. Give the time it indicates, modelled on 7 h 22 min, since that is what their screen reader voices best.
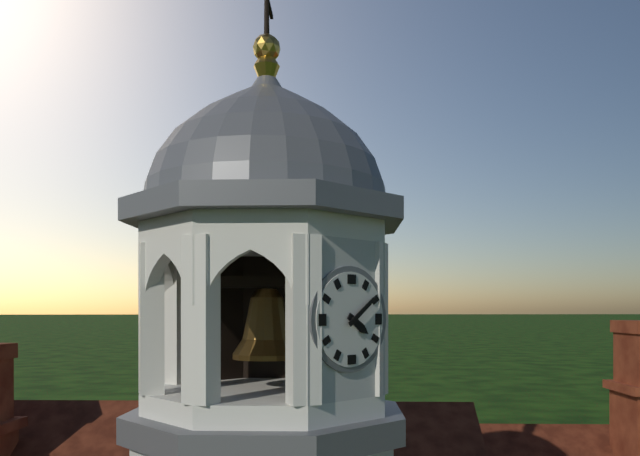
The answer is 4 h 09 min
